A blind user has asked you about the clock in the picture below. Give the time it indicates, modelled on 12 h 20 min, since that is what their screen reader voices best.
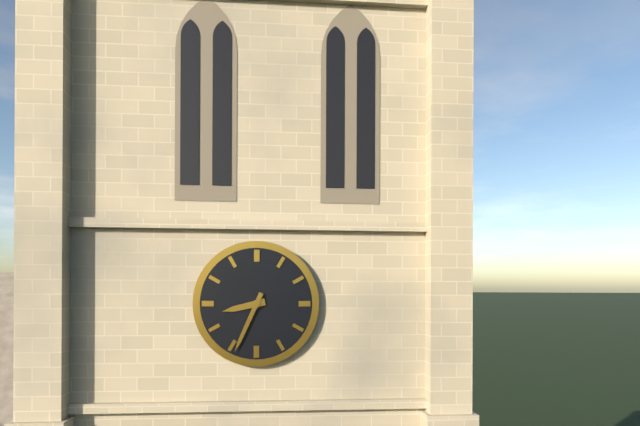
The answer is 8 h 34 min
